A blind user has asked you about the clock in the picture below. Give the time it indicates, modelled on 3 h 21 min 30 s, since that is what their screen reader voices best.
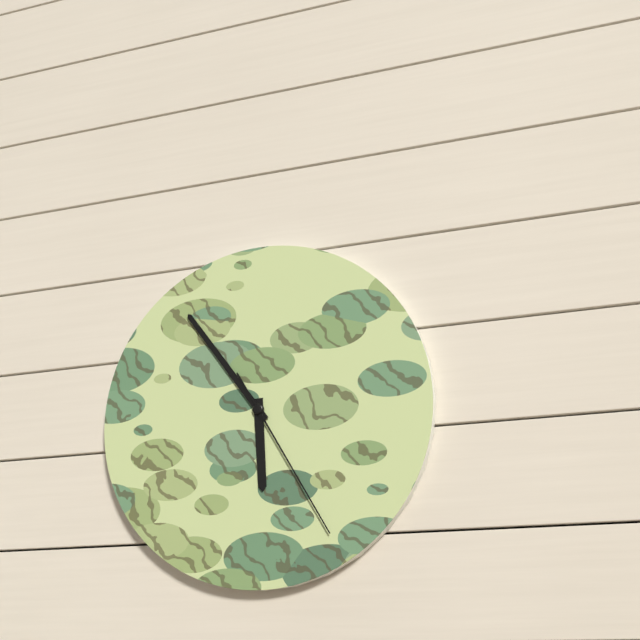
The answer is 5 h 54 min 25 s
